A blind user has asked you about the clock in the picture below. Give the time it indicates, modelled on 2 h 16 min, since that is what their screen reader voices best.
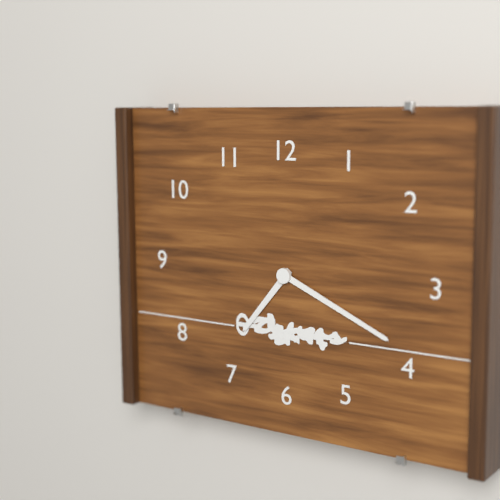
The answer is 7 h 19 min
